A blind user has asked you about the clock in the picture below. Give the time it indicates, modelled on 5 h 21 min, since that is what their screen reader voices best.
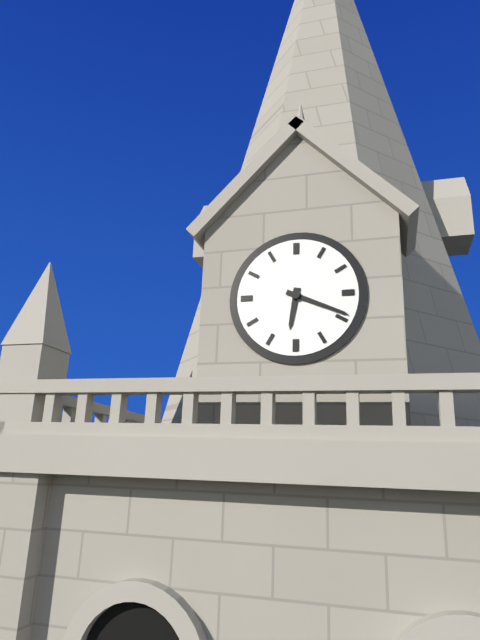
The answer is 6 h 19 min
